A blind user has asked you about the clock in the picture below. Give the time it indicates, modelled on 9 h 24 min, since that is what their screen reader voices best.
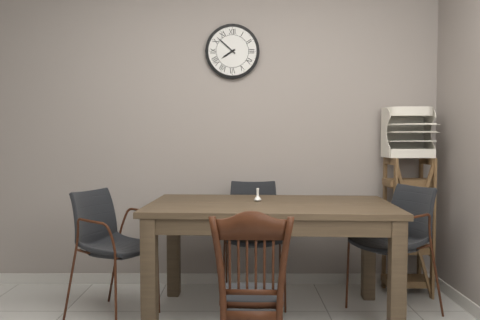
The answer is 7 h 52 min
